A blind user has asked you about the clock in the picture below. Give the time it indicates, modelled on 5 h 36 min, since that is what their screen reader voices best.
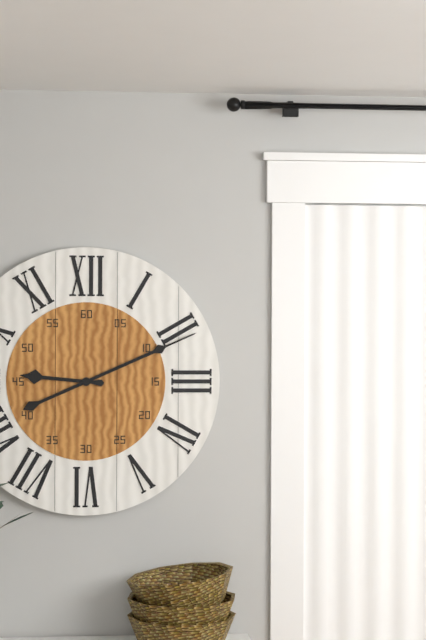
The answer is 9 h 11 min
